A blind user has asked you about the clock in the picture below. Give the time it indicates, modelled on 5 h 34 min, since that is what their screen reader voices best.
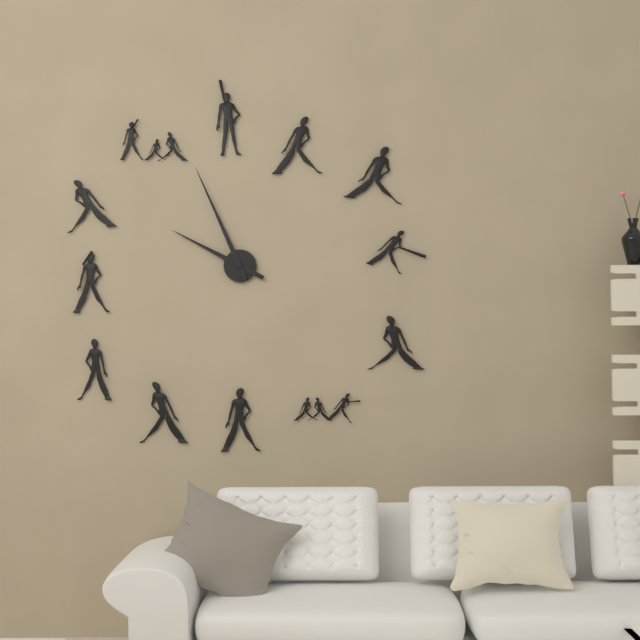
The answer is 9 h 56 min
